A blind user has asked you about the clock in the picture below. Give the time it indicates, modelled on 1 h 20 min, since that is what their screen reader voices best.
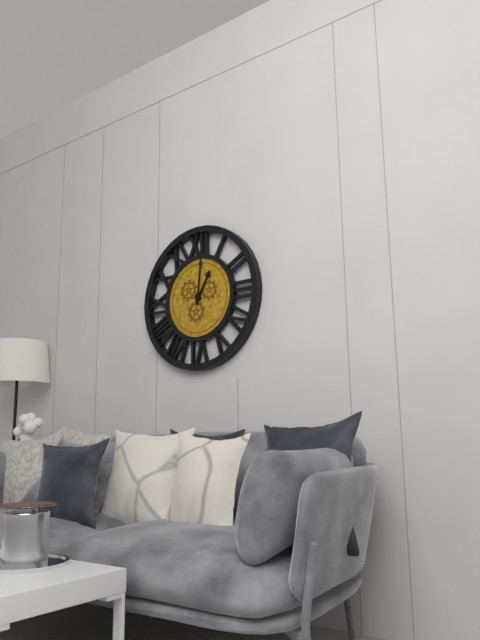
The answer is 1 h 01 min
